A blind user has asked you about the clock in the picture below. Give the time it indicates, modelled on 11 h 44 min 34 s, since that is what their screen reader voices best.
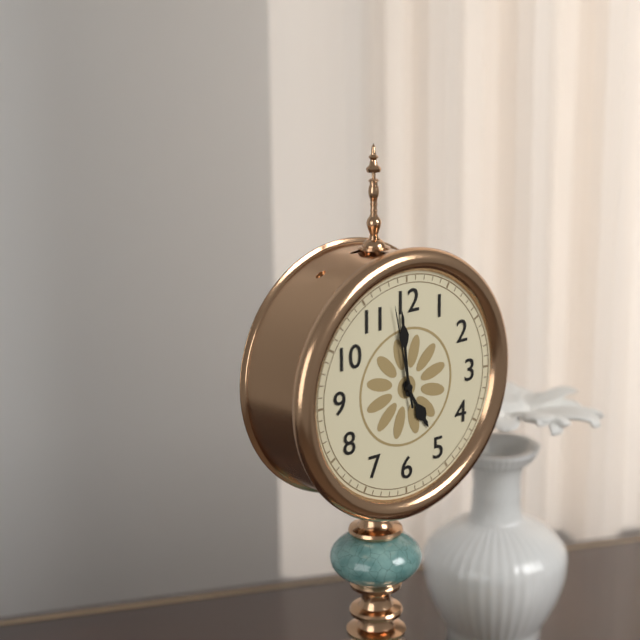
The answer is 4 h 59 min 58 s
